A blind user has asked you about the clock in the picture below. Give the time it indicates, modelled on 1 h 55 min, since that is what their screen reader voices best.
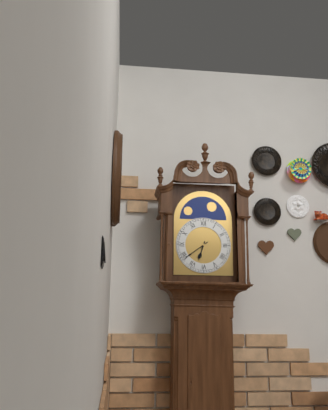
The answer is 6 h 39 min
